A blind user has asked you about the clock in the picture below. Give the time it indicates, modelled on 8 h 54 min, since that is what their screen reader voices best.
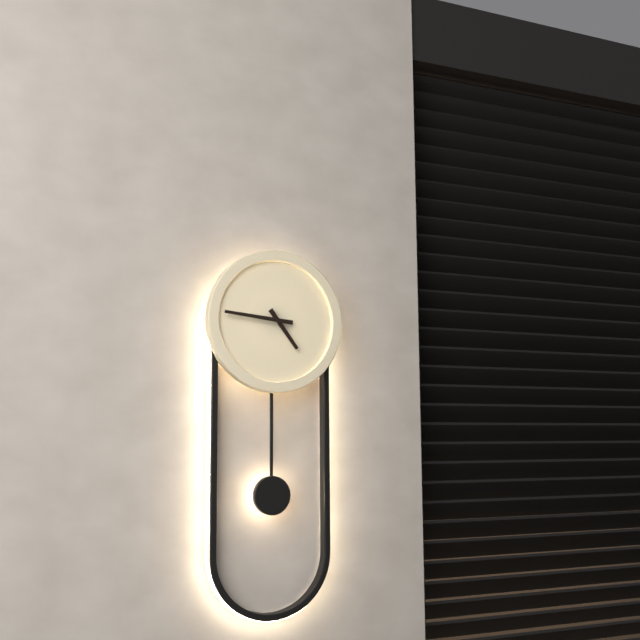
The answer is 4 h 46 min
